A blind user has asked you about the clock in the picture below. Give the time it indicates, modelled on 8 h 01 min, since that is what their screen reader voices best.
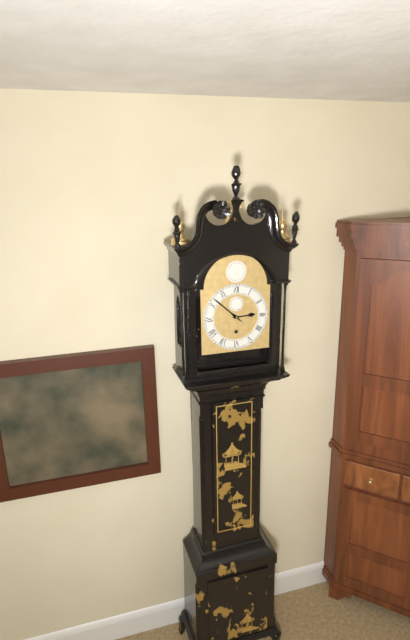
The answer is 2 h 52 min
